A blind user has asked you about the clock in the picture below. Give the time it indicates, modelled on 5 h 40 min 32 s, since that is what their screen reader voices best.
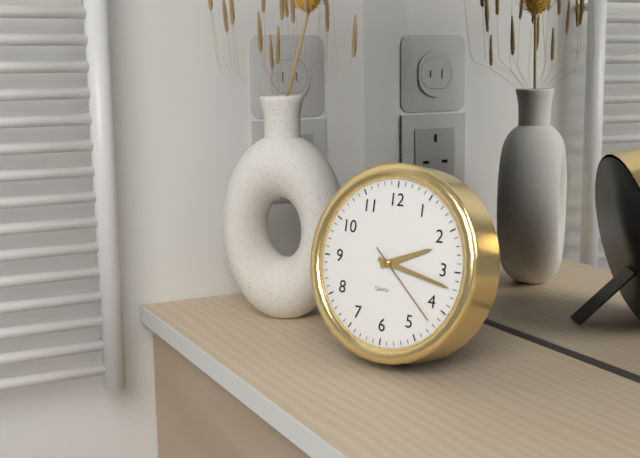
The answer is 2 h 17 min 22 s
